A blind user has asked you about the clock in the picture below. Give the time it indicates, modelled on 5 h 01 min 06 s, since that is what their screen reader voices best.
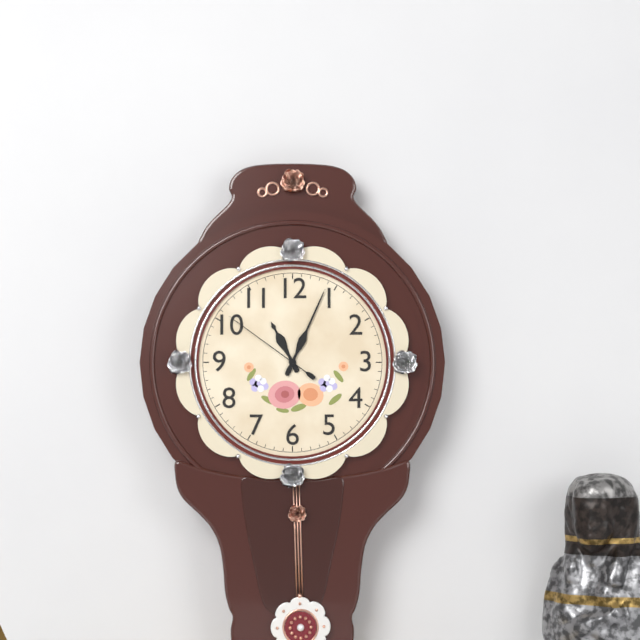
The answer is 11 h 04 min 51 s
